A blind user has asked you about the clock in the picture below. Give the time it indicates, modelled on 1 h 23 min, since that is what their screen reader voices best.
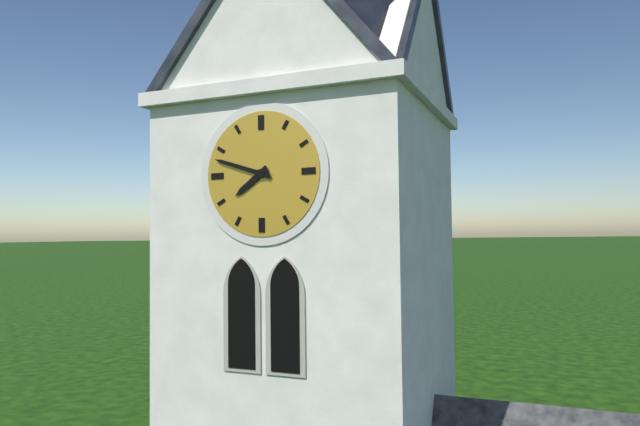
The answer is 7 h 48 min
